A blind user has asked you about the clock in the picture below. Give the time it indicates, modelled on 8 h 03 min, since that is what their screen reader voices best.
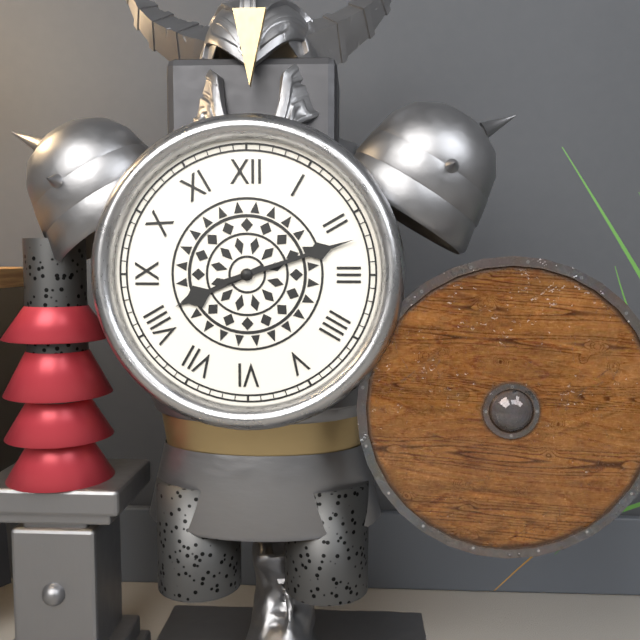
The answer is 8 h 12 min
